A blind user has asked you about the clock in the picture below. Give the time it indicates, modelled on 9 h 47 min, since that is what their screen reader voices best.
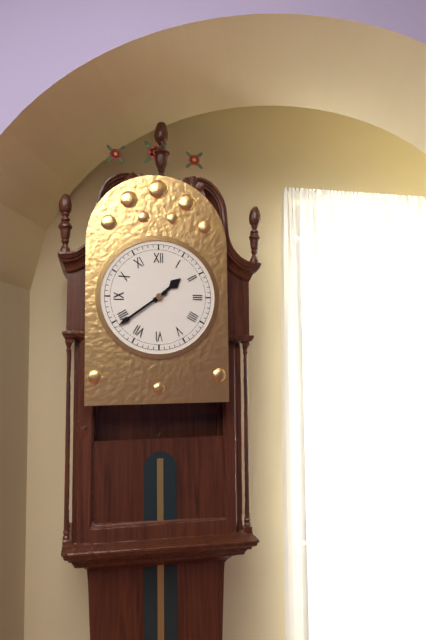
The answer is 1 h 39 min
